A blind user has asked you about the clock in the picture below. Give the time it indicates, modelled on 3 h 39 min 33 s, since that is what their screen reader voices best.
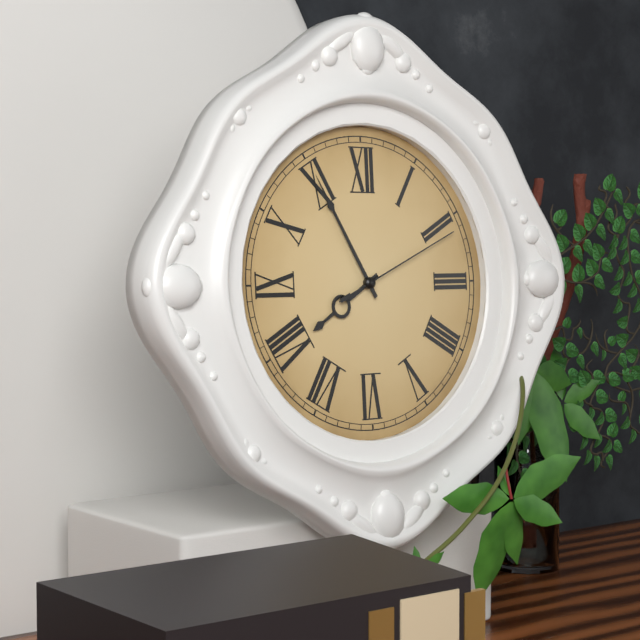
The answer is 7 h 55 min 11 s
